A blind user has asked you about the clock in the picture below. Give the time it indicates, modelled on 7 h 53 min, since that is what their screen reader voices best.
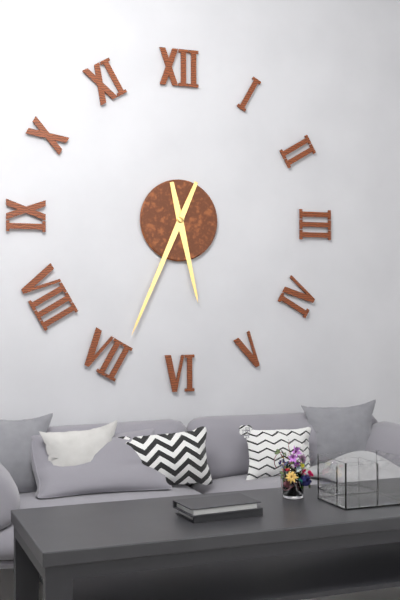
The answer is 5 h 34 min
